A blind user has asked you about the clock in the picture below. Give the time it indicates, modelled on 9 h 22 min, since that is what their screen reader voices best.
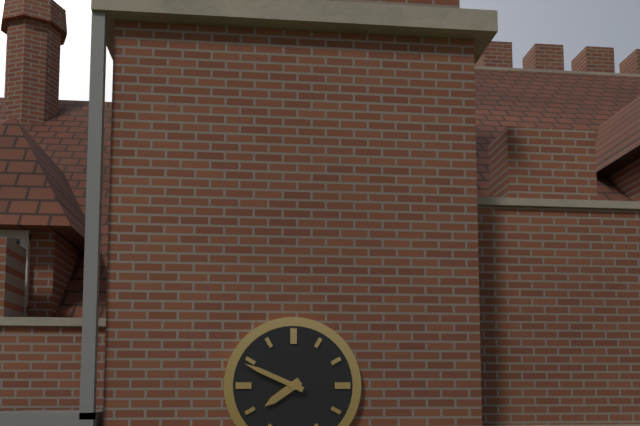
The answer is 7 h 49 min
